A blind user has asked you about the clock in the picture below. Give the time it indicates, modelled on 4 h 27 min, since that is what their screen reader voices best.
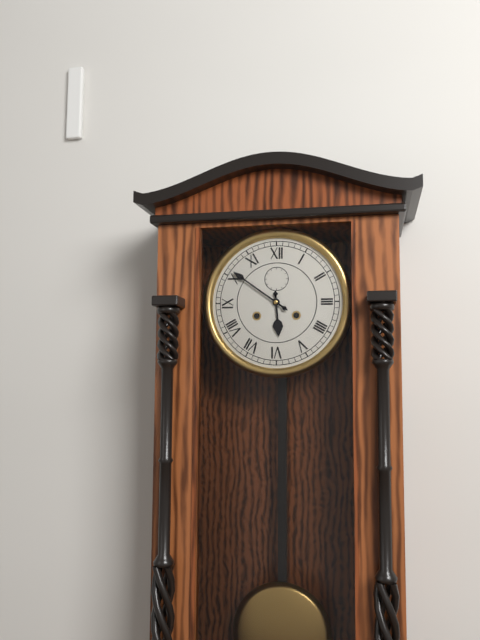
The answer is 5 h 51 min
